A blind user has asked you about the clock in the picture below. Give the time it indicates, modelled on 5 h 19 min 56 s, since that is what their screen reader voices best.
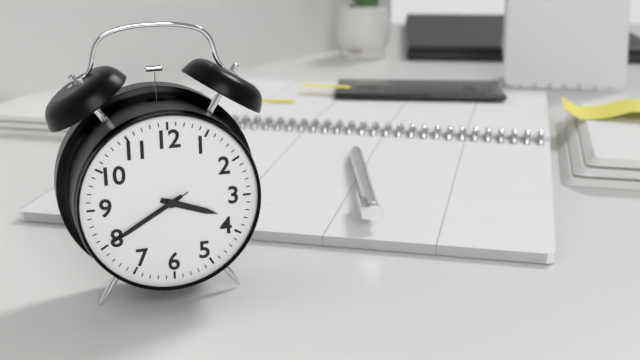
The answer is 3 h 40 min 40 s
